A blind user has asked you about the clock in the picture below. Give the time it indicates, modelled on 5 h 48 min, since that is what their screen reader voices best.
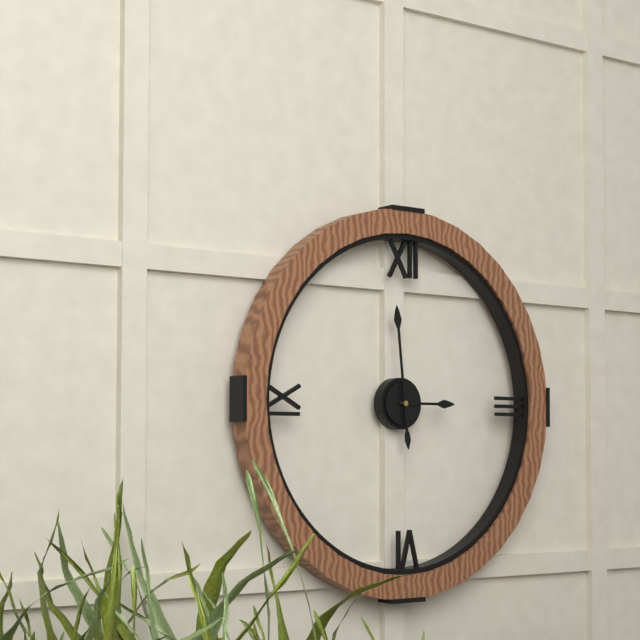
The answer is 2 h 59 min
